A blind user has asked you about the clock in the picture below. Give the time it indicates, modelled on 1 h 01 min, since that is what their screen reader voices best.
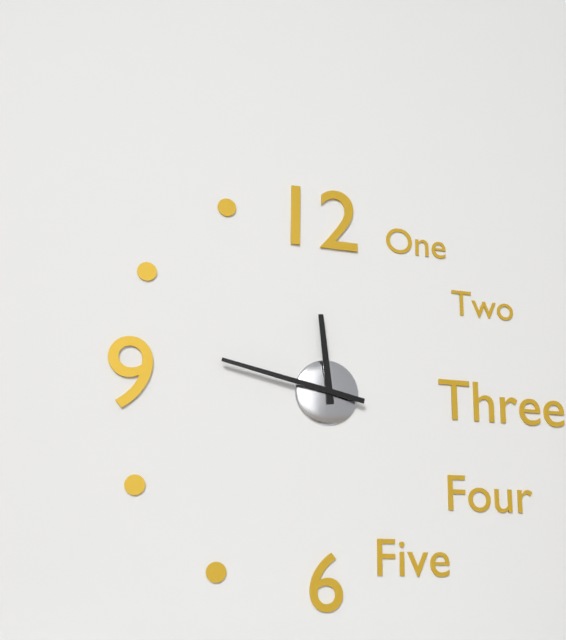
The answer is 11 h 47 min
